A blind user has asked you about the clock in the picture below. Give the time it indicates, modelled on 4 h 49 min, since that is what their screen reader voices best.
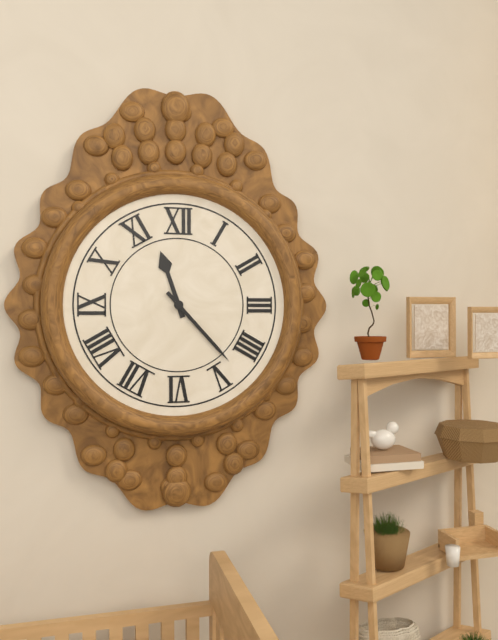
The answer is 11 h 23 min
